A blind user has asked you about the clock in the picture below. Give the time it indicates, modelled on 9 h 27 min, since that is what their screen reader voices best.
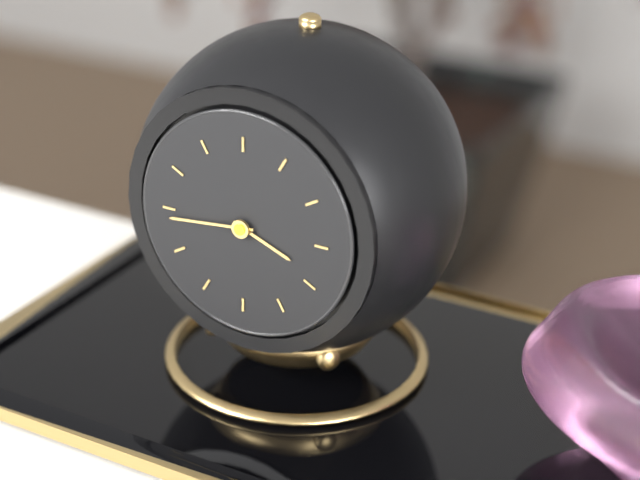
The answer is 3 h 44 min
